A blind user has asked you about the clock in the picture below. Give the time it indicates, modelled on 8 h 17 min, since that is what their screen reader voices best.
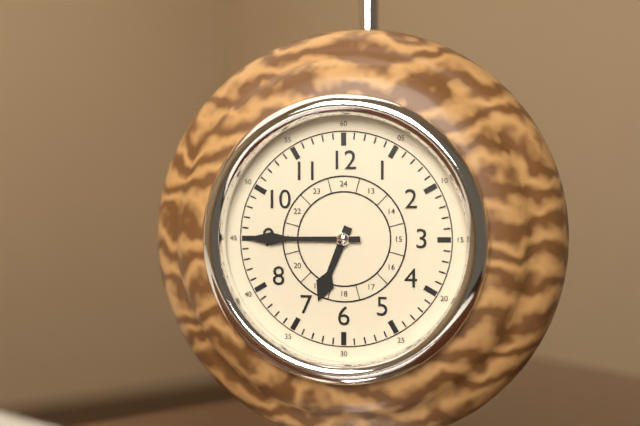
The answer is 6 h 45 min
